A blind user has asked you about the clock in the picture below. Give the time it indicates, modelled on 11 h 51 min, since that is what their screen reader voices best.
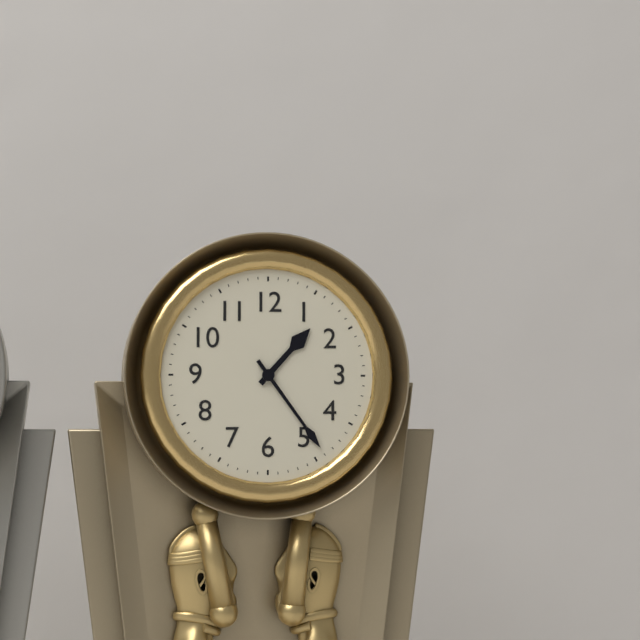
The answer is 1 h 24 min
